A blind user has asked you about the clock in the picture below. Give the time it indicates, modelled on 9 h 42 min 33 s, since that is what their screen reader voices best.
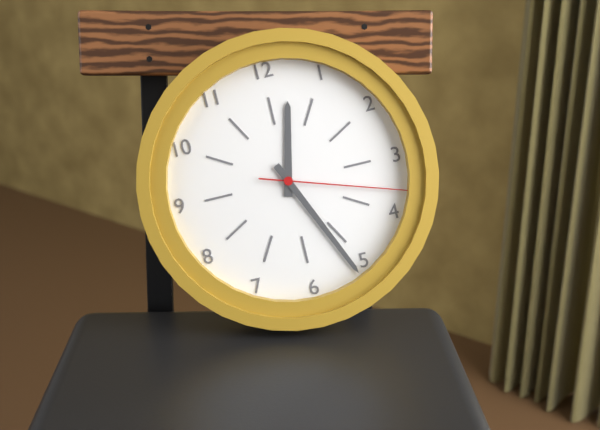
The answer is 12 h 26 min 18 s
